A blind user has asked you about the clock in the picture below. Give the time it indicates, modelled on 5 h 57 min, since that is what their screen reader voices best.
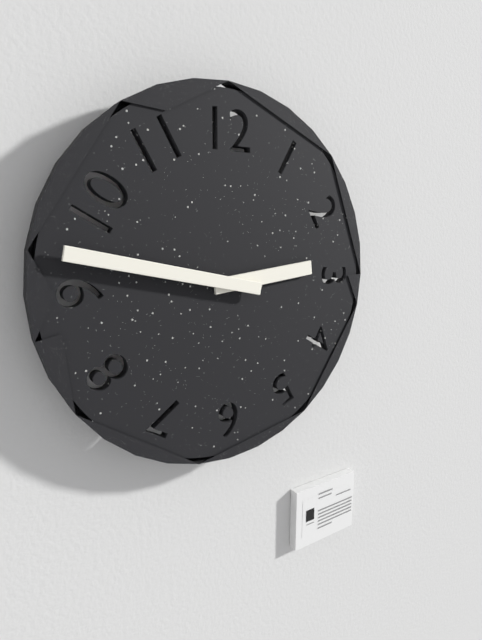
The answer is 2 h 47 min
